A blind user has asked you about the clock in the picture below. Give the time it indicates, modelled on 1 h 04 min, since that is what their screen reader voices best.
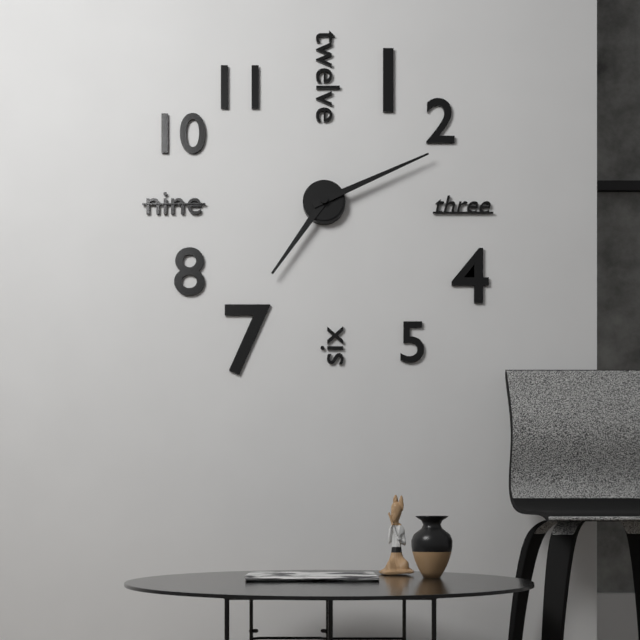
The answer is 7 h 11 min
